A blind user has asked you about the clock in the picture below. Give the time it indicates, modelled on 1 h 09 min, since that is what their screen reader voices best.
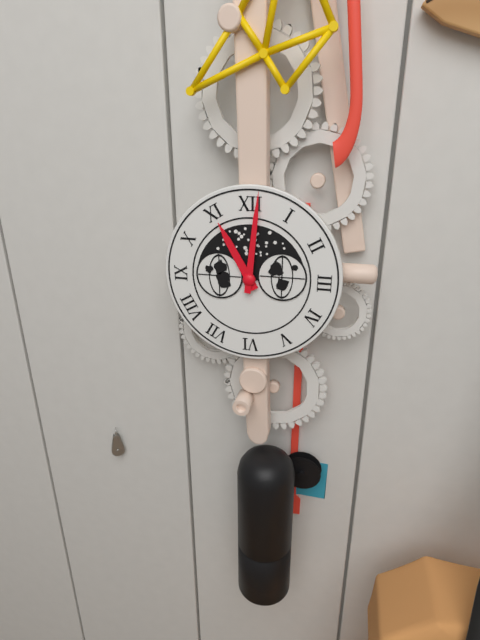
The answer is 11 h 01 min
